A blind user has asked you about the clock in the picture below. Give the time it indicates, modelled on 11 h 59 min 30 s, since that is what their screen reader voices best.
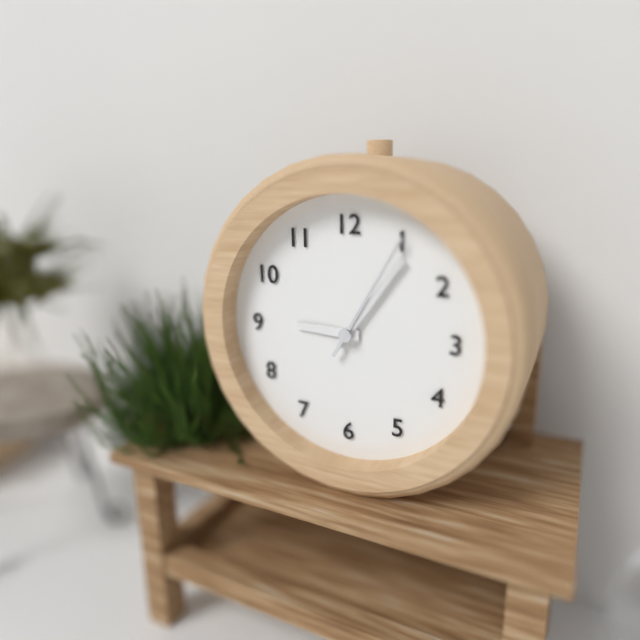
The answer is 9 h 06 min 05 s
